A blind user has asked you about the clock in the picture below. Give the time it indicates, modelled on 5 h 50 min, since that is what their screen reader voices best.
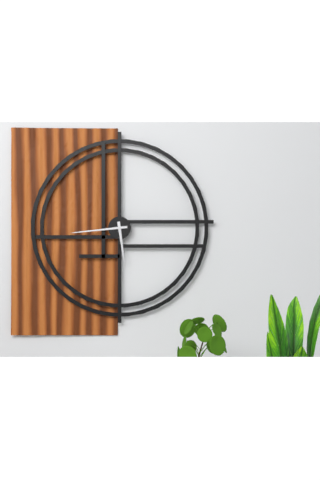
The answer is 5 h 44 min
